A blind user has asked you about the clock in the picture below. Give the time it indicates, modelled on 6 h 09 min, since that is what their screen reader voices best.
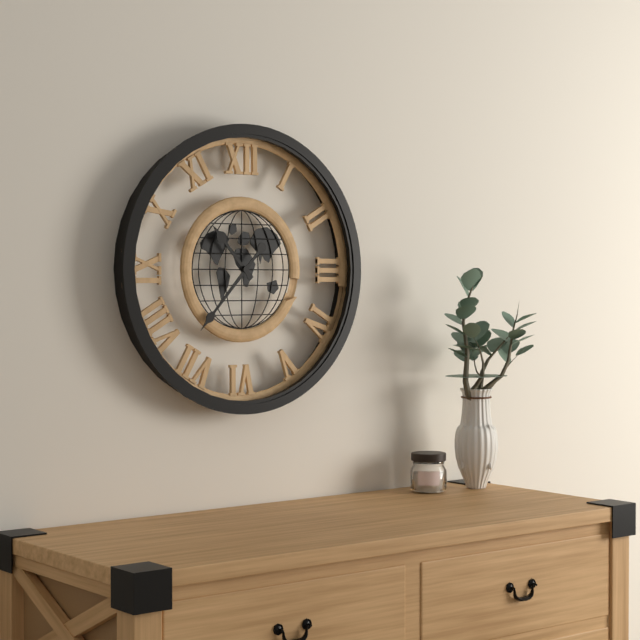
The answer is 10 h 37 min
